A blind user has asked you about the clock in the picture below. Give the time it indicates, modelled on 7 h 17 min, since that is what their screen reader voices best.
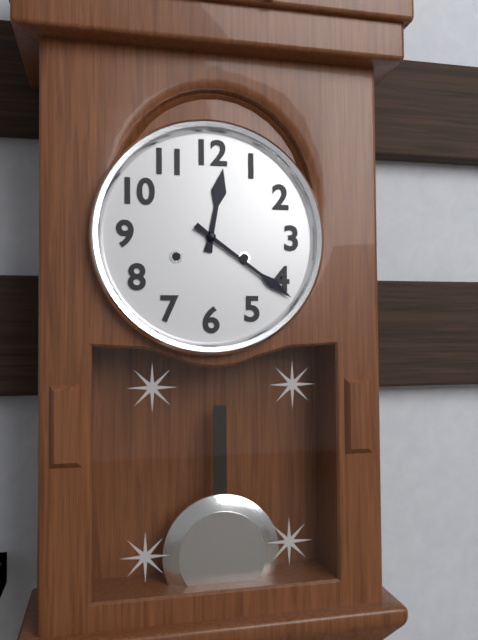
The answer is 12 h 21 min
